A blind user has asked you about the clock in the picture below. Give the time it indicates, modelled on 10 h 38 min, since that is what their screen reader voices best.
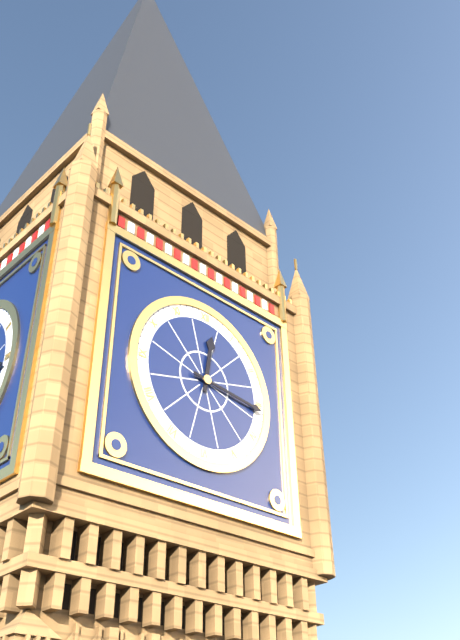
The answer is 12 h 16 min
